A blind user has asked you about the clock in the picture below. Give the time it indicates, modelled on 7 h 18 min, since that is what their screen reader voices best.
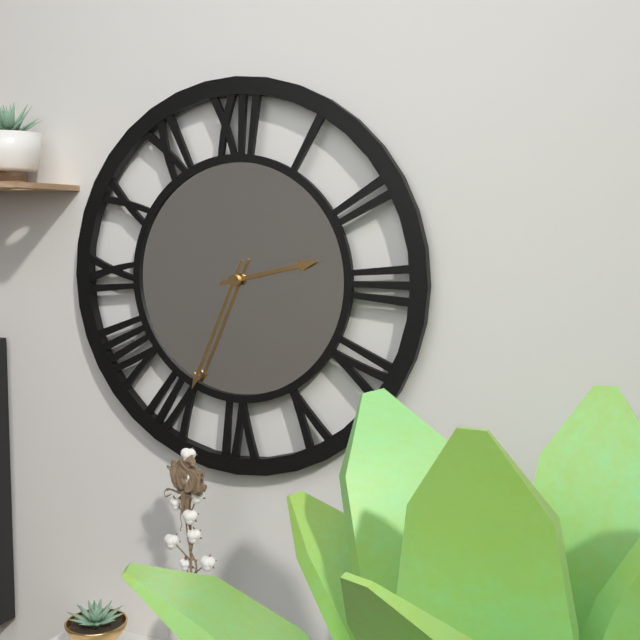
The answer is 2 h 34 min
